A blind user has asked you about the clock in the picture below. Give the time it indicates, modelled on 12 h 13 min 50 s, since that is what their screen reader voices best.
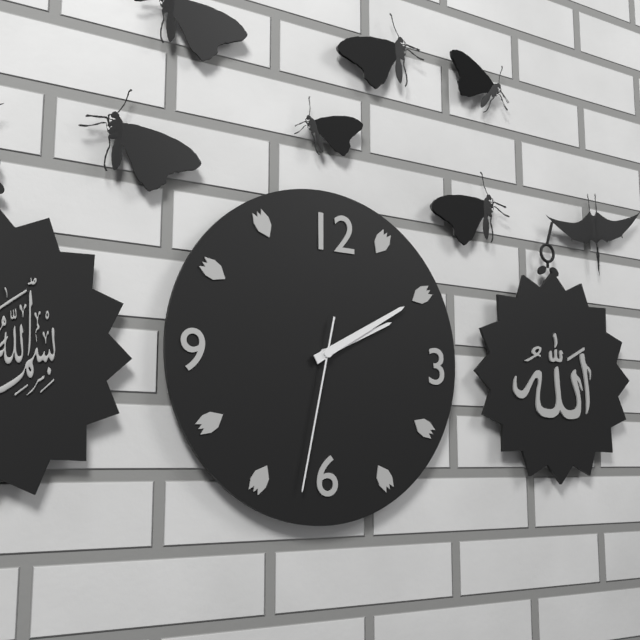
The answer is 2 h 10 min 32 s
